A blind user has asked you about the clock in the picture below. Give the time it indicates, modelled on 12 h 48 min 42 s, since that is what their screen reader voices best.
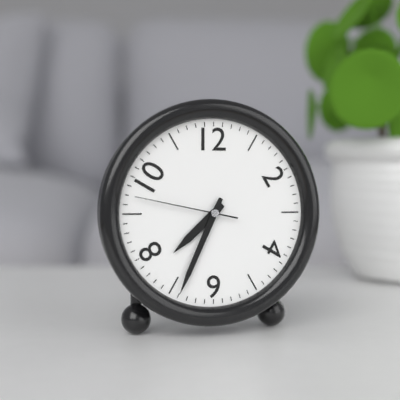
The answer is 7 h 34 min 47 s
